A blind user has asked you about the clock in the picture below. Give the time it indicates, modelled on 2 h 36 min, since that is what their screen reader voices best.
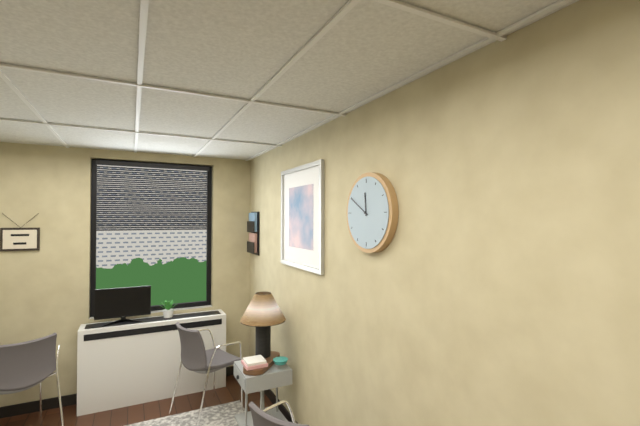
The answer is 11 h 50 min
